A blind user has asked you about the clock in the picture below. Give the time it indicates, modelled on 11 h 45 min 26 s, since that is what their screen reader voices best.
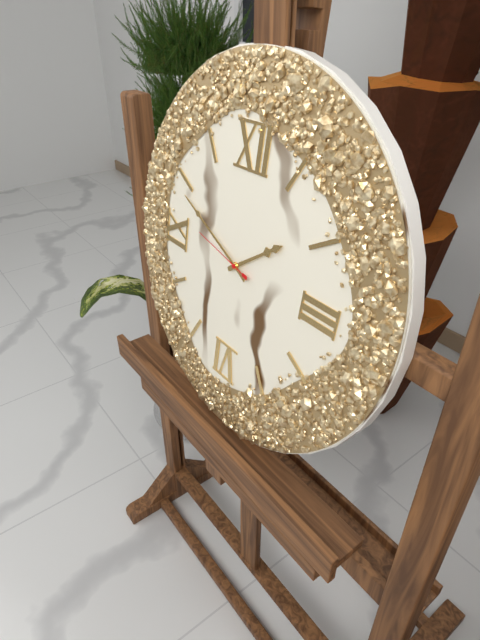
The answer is 1 h 49 min 47 s
